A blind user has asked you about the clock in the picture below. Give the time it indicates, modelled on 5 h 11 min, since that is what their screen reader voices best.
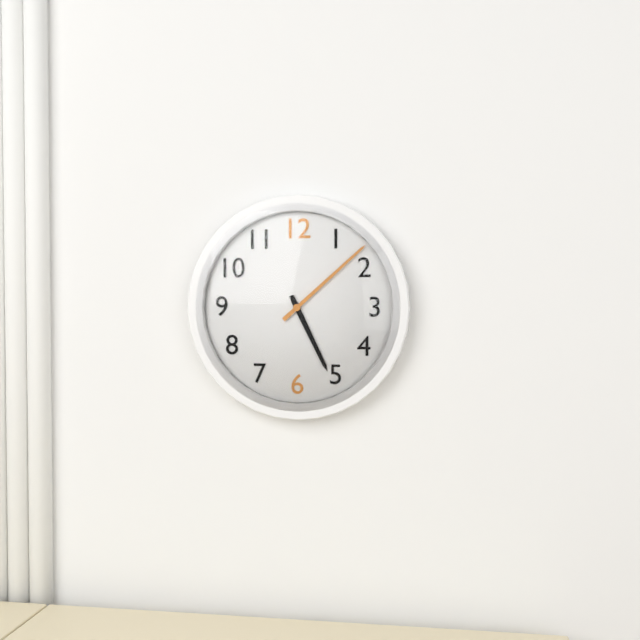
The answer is 5 h 08 min
